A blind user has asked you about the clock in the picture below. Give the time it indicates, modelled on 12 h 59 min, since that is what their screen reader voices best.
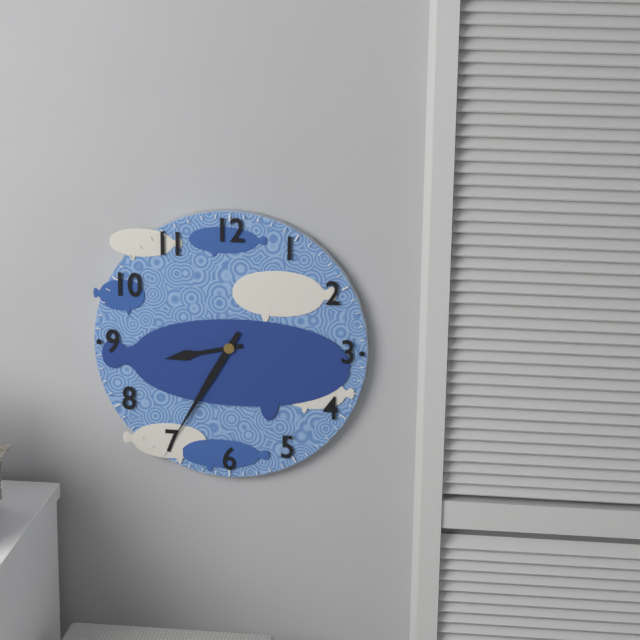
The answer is 8 h 35 min
